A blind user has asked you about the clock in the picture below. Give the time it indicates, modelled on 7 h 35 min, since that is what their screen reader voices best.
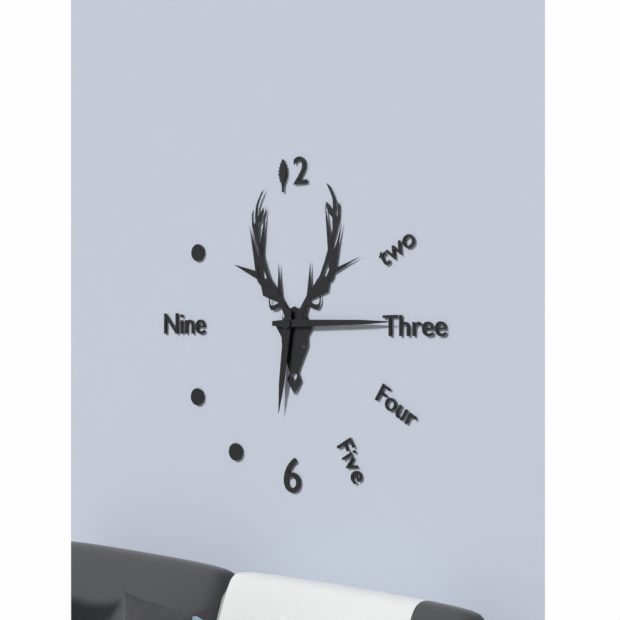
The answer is 6 h 15 min
